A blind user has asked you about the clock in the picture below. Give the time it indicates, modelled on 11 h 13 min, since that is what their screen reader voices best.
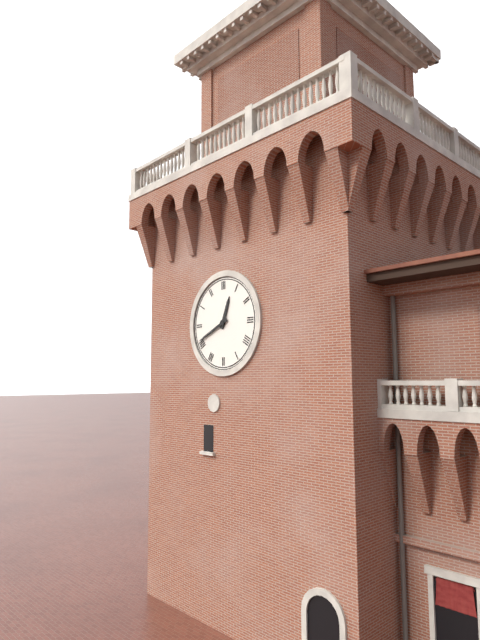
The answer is 12 h 41 min
